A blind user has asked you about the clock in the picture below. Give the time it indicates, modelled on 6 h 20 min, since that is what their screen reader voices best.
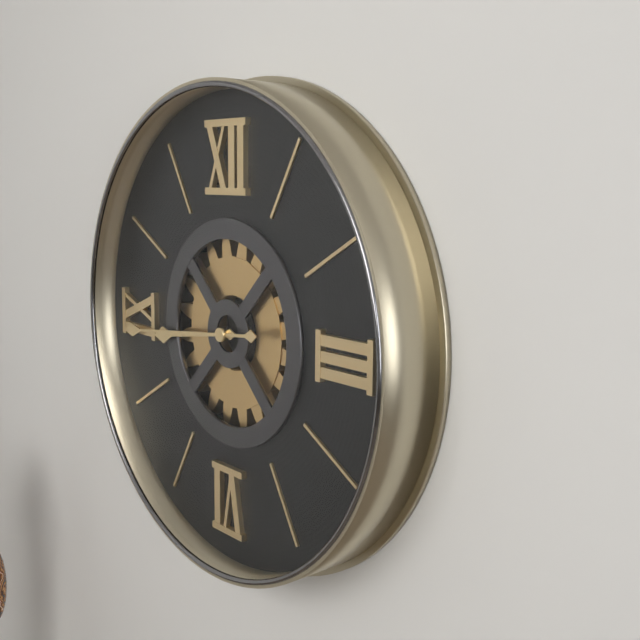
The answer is 8 h 44 min
